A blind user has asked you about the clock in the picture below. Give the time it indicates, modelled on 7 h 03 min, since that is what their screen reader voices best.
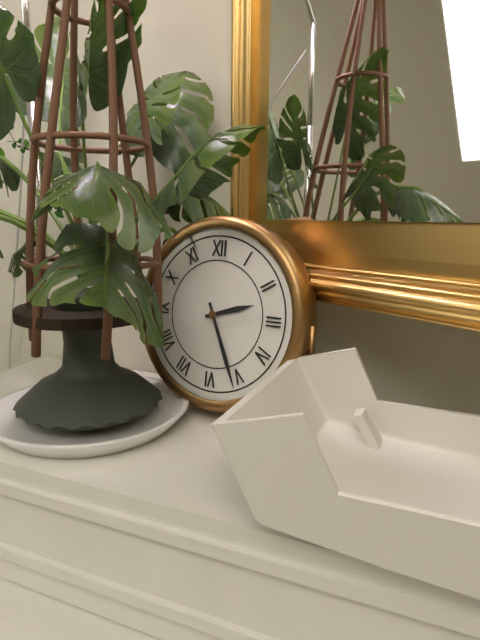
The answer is 2 h 26 min
